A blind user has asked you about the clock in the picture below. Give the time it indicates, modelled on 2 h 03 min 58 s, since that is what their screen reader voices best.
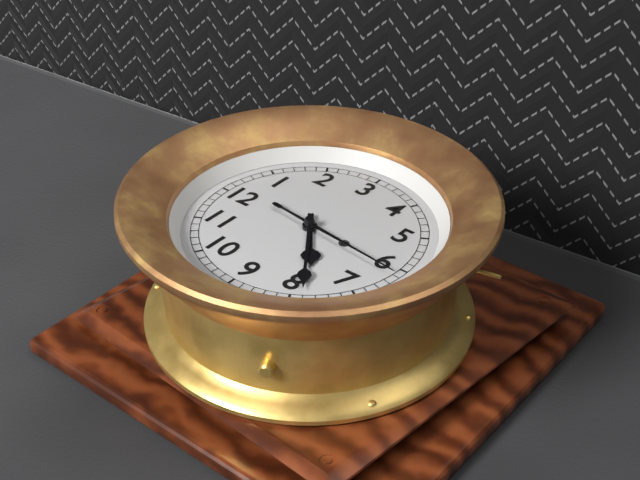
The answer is 7 h 39 min 31 s
